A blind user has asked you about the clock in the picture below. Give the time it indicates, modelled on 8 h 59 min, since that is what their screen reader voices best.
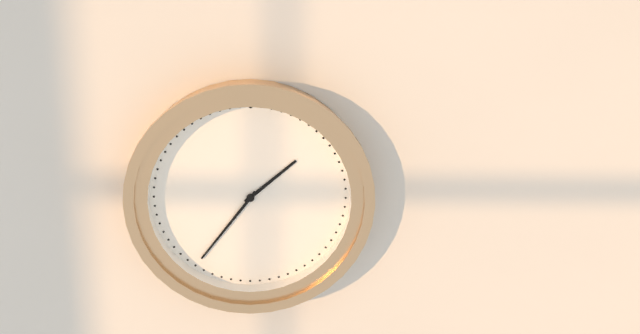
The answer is 1 h 36 min
